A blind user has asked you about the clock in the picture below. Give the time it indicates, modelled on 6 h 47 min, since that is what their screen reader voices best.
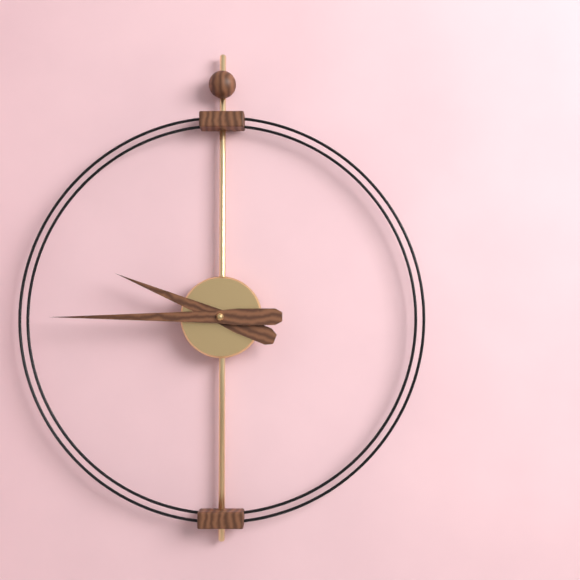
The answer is 9 h 45 min
